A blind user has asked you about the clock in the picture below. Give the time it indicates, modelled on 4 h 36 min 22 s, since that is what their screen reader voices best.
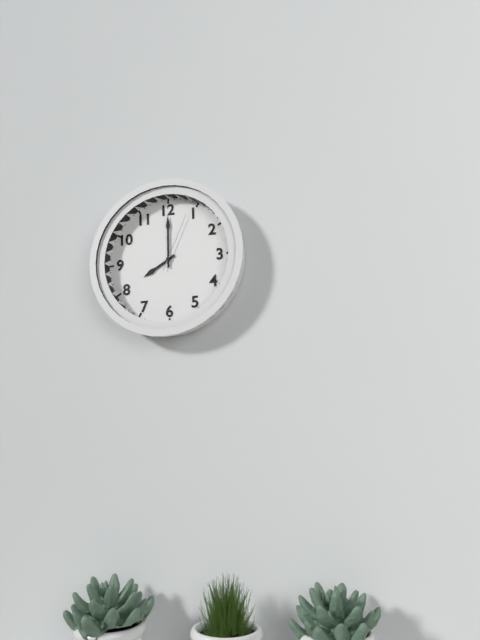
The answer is 8 h 00 min 04 s
